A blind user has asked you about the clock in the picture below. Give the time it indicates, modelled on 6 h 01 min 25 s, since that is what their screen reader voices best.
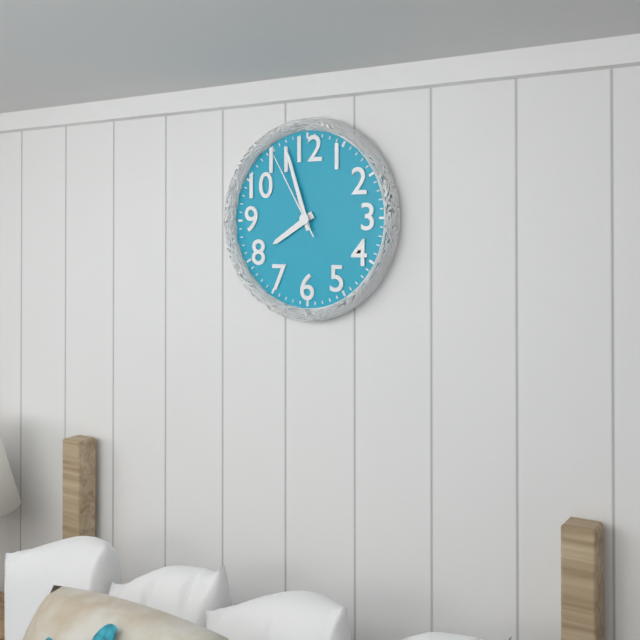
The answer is 7 h 57 min 55 s
